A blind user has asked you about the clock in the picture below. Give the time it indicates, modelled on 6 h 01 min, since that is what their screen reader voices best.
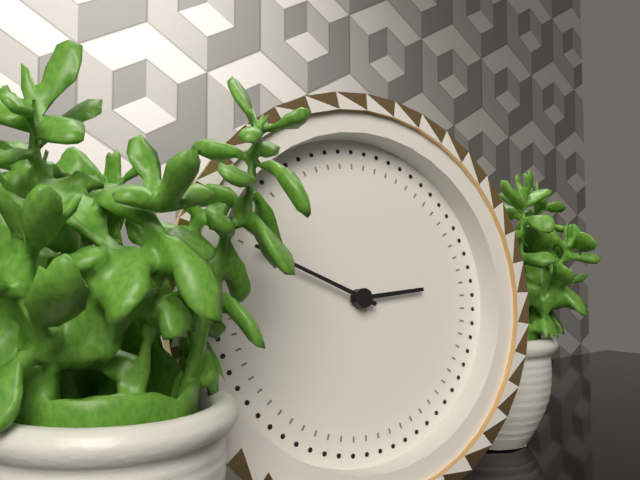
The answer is 2 h 49 min
